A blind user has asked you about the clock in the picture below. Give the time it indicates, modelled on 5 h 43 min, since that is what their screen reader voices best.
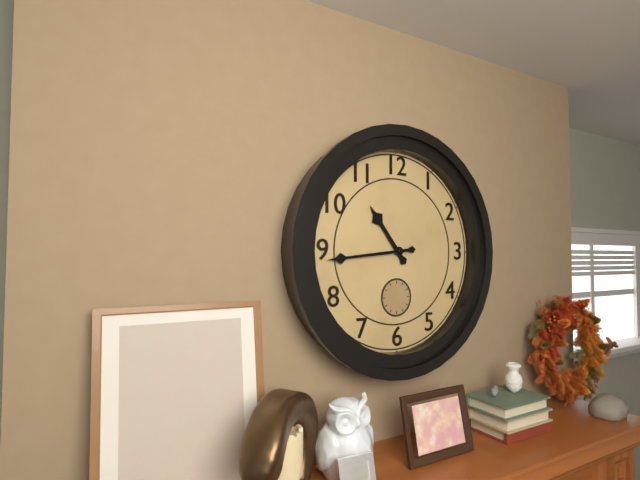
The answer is 10 h 44 min
